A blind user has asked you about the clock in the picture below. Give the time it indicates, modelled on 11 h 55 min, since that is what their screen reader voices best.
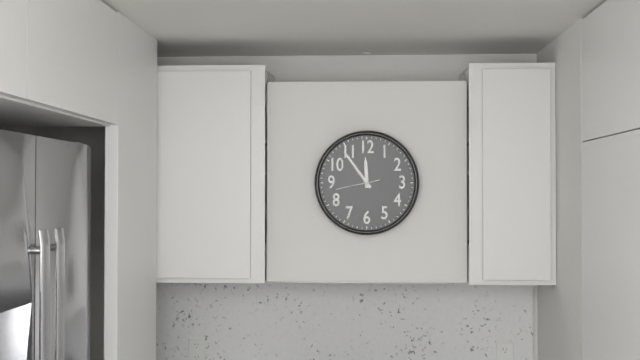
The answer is 11 h 54 min
